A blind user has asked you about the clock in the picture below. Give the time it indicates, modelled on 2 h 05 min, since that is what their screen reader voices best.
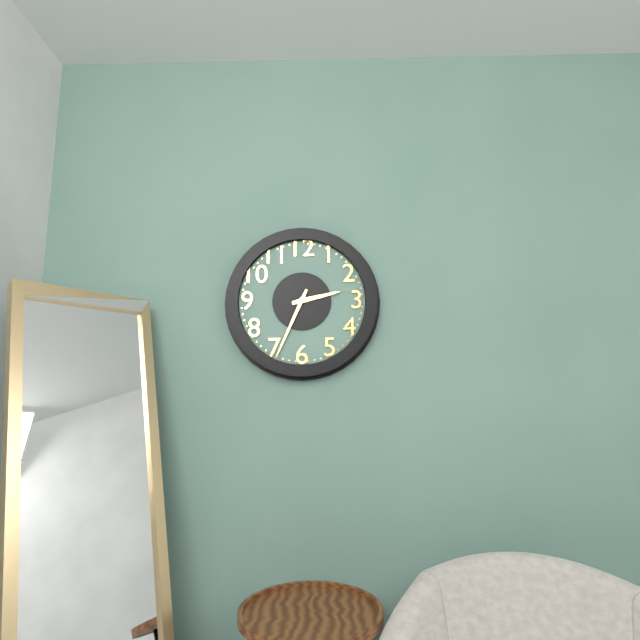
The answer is 2 h 34 min
